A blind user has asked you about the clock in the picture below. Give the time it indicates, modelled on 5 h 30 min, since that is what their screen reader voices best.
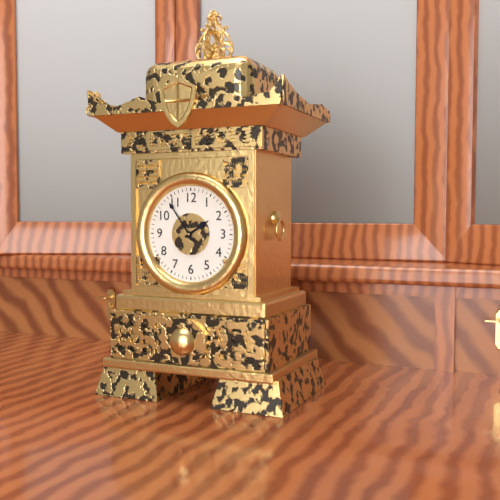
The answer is 1 h 54 min
